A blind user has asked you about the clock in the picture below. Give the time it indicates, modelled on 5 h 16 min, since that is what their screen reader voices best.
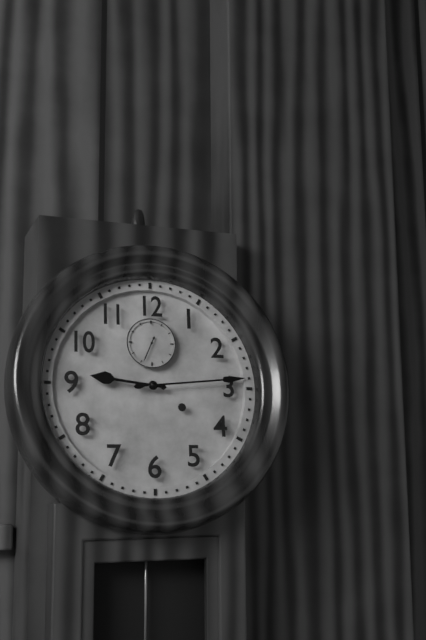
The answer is 9 h 14 min
